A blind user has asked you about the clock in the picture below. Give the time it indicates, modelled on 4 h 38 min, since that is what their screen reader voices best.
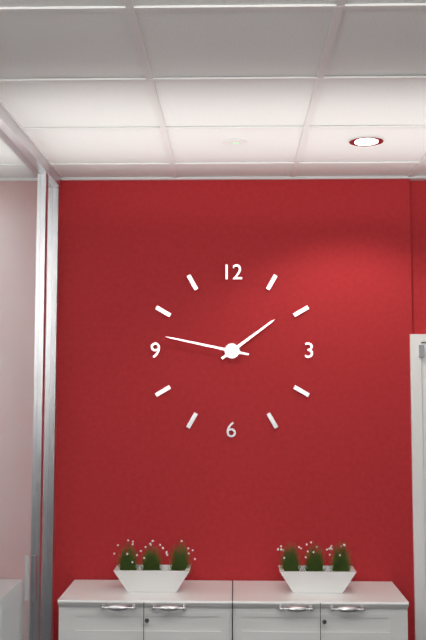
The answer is 1 h 47 min
